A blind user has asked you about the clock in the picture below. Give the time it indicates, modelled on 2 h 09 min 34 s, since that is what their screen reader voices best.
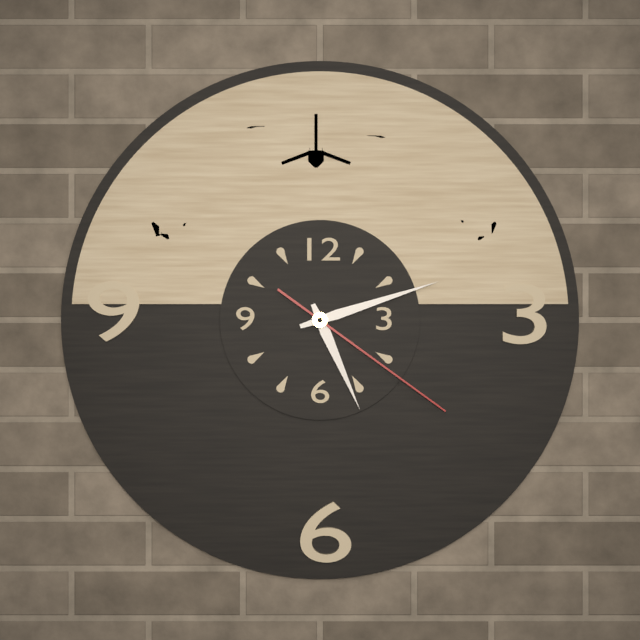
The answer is 5 h 12 min 21 s
